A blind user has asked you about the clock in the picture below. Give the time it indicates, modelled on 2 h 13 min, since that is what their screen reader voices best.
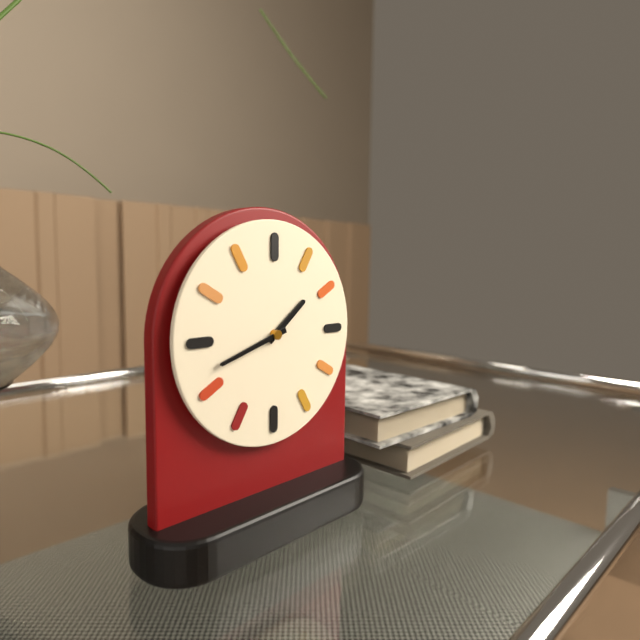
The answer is 1 h 42 min
